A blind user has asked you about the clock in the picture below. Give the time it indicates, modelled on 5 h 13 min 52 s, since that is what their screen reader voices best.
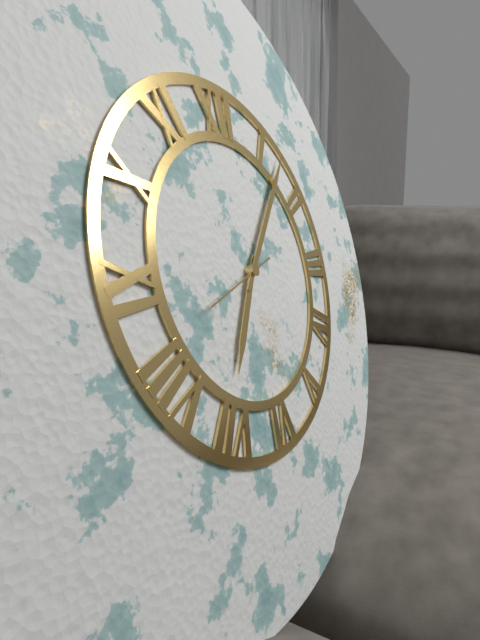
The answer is 7 h 07 min 42 s
